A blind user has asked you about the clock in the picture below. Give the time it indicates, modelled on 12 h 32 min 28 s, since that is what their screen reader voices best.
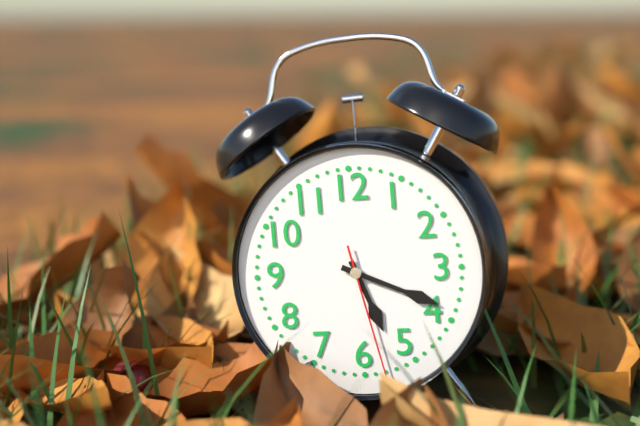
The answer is 5 h 19 min 28 s
